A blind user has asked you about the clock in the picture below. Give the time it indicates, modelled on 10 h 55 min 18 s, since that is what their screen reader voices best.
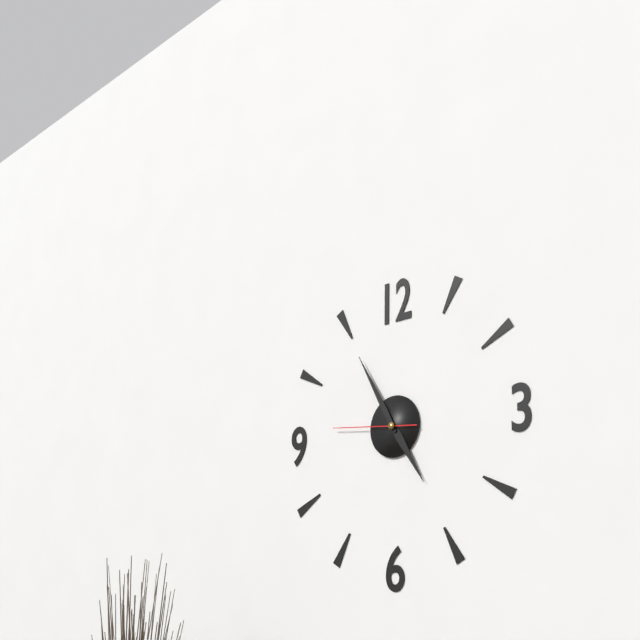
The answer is 4 h 55 min 46 s
